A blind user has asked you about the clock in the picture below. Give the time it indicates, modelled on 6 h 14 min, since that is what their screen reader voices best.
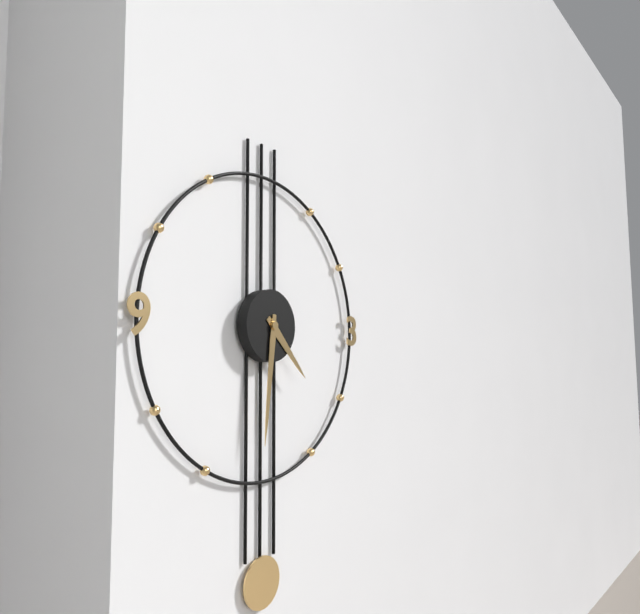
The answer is 4 h 31 min
